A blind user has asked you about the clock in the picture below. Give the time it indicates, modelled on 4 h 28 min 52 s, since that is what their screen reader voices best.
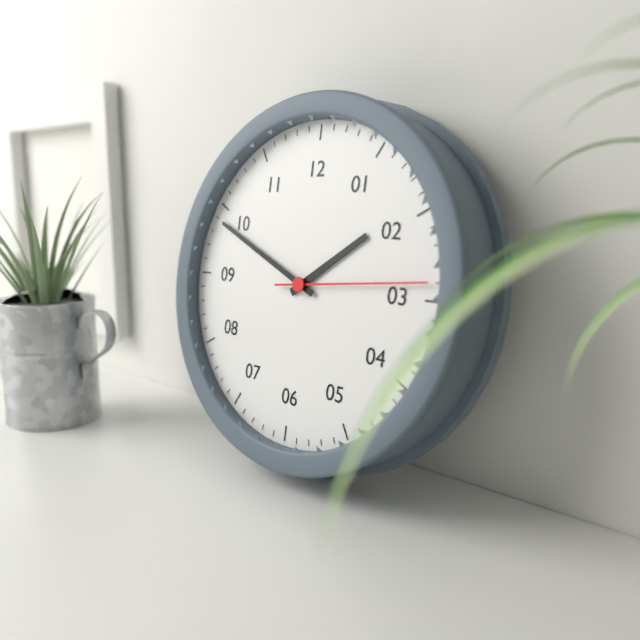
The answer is 1 h 49 min 14 s
